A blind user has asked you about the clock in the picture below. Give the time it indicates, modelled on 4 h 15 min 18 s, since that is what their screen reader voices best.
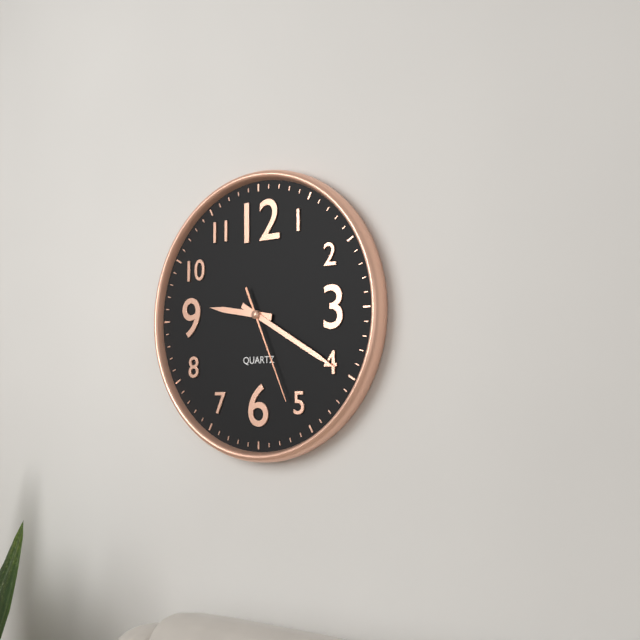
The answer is 9 h 20 min 26 s
